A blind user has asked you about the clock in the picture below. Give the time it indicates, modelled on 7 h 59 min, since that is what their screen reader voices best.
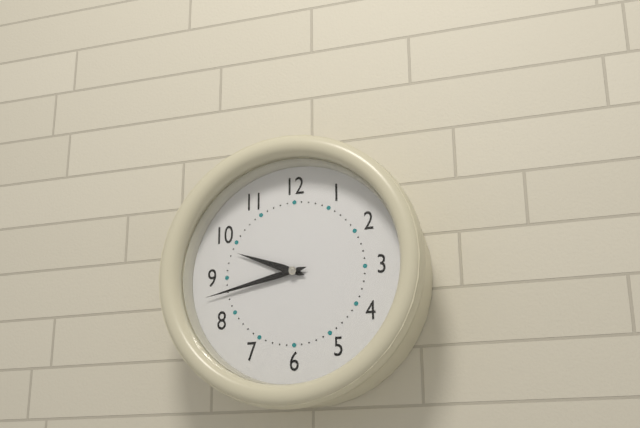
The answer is 9 h 43 min
